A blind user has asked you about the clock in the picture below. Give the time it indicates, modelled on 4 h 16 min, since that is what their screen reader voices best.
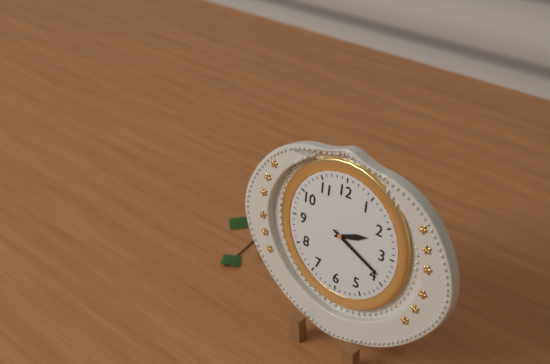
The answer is 2 h 19 min
